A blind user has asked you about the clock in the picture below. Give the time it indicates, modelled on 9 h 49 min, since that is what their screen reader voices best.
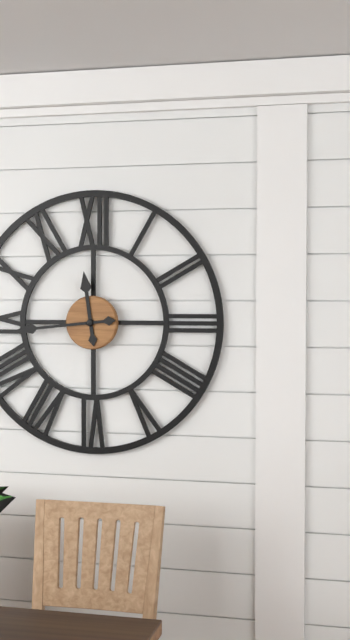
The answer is 11 h 44 min
